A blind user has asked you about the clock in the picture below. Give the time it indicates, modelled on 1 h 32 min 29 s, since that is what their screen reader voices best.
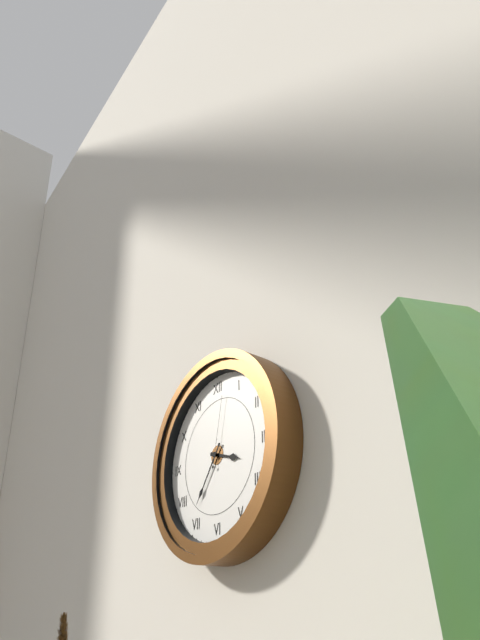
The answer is 3 h 36 min 02 s
